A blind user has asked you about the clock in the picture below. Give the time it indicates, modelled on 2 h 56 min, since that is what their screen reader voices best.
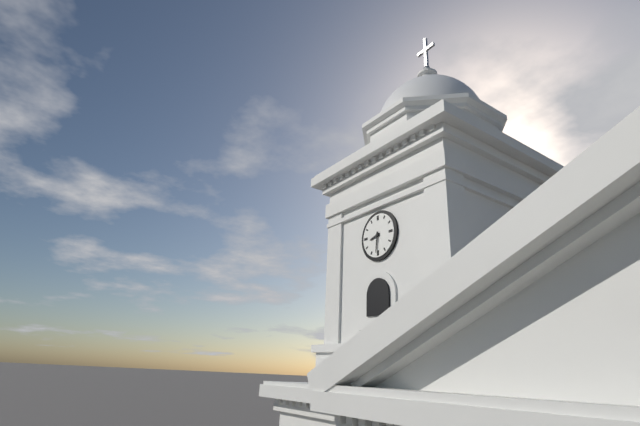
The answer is 8 h 31 min
